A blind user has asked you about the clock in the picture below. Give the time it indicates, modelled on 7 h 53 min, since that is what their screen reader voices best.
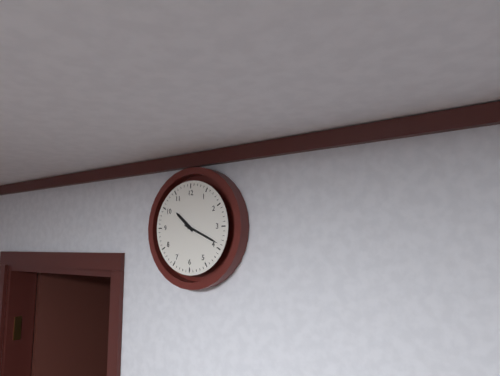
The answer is 10 h 19 min
